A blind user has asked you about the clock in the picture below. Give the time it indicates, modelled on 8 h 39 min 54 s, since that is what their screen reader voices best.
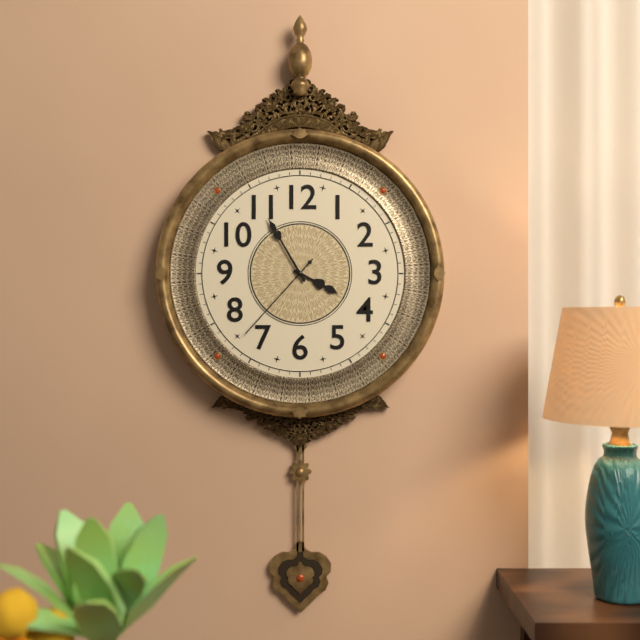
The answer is 3 h 55 min 37 s
